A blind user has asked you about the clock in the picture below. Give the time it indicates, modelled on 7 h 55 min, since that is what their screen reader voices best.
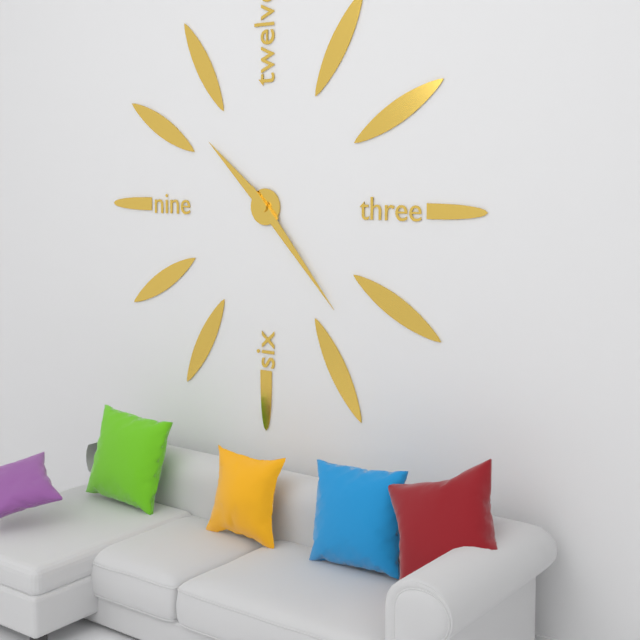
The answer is 10 h 23 min
